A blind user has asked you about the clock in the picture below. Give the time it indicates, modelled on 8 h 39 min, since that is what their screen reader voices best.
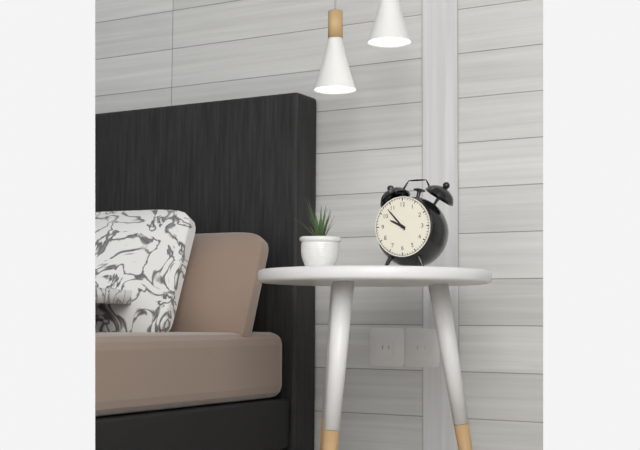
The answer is 9 h 53 min
